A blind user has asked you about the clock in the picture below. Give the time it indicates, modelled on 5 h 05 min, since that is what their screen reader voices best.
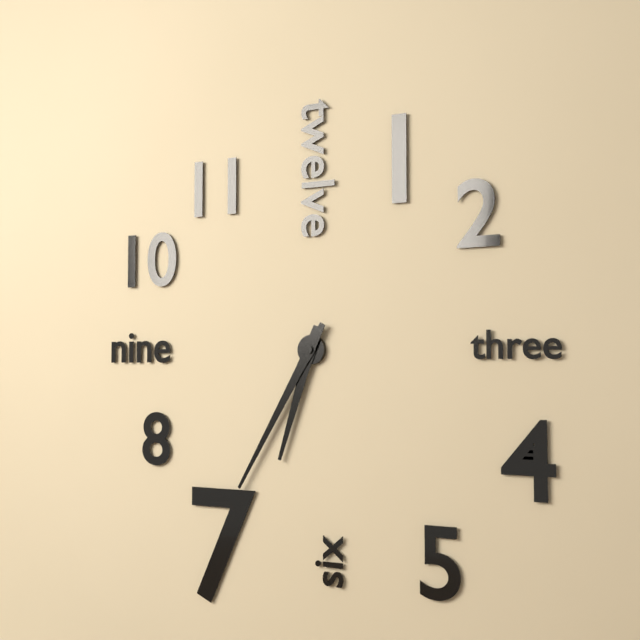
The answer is 6 h 35 min
